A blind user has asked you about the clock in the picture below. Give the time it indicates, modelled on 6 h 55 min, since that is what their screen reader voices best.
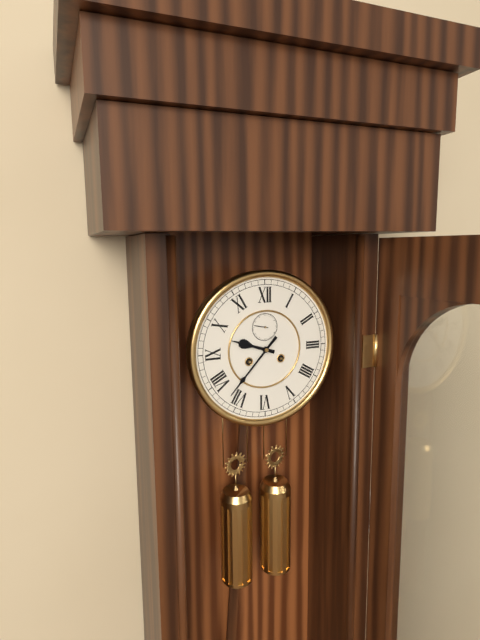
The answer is 9 h 37 min
